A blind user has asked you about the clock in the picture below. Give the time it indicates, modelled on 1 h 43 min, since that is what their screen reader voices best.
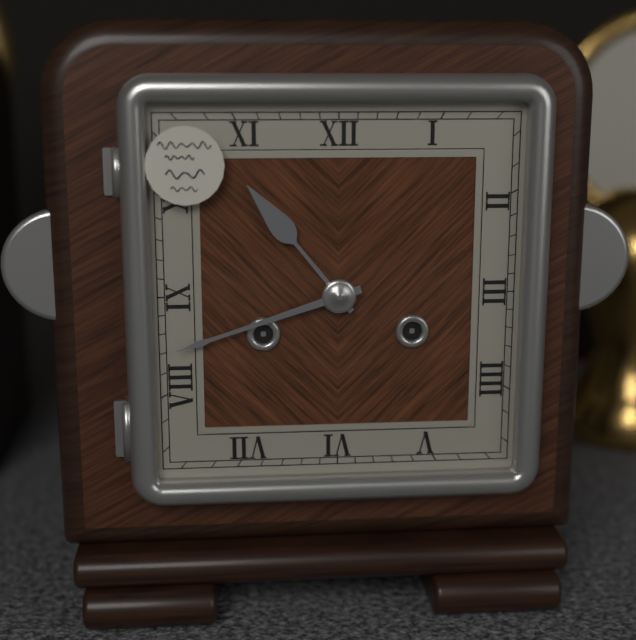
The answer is 10 h 42 min
